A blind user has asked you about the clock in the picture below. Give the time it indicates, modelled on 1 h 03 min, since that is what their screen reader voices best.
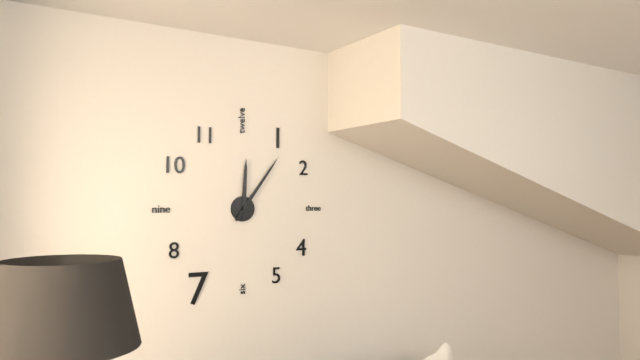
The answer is 12 h 06 min
